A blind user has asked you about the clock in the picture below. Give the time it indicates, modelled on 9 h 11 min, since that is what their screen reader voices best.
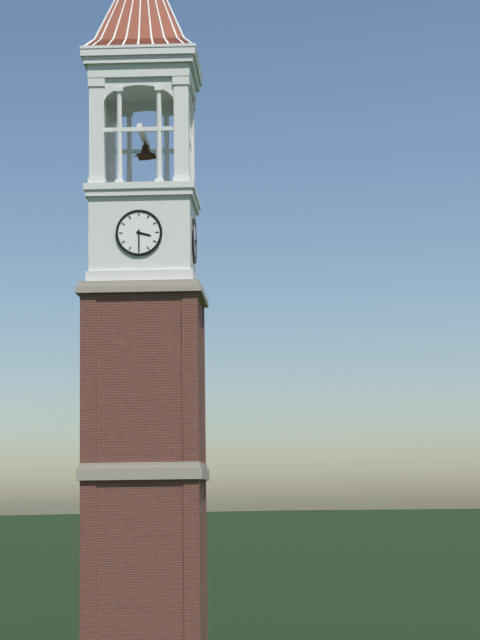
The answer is 3 h 30 min
